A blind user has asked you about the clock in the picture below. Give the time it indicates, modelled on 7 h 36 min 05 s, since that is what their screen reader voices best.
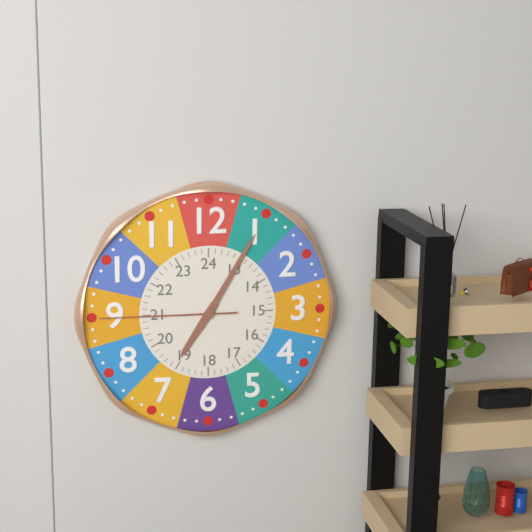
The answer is 7 h 05 min 45 s
